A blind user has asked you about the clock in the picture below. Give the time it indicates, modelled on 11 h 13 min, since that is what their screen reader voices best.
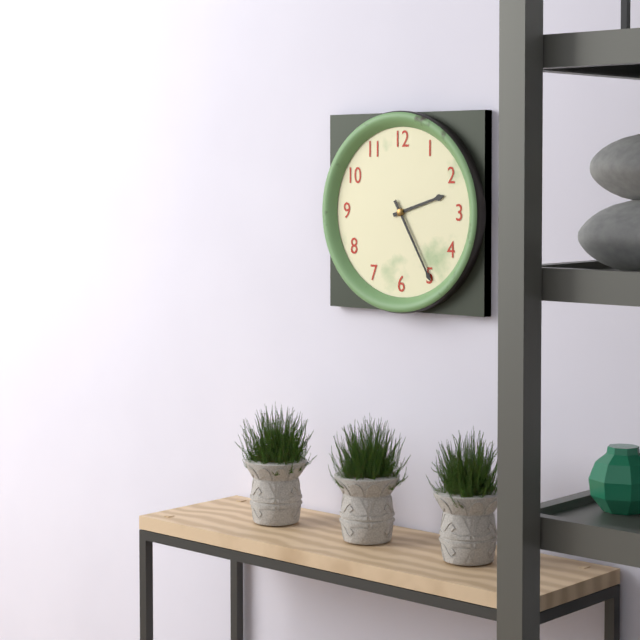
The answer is 2 h 25 min
